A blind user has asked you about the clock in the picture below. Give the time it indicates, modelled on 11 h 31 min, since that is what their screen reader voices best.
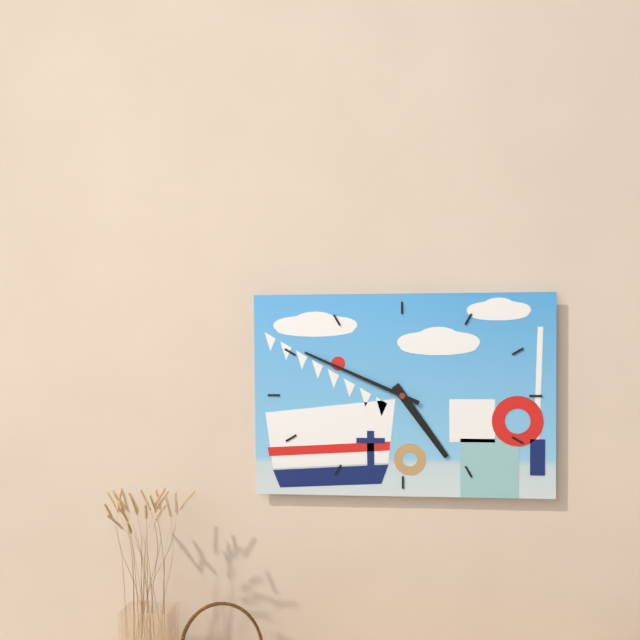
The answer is 4 h 49 min
